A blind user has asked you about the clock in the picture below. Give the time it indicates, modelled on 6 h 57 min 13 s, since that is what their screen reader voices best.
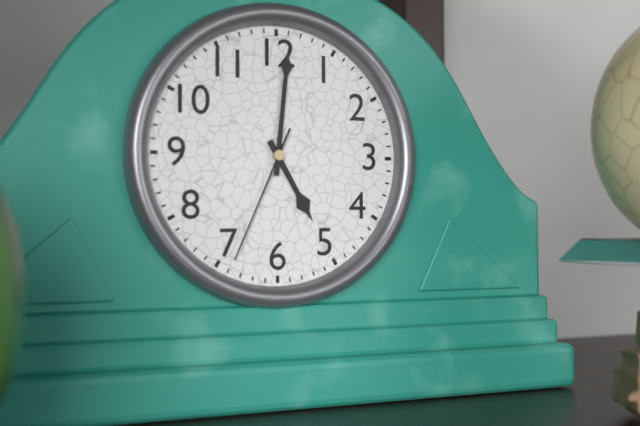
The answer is 5 h 01 min 34 s
